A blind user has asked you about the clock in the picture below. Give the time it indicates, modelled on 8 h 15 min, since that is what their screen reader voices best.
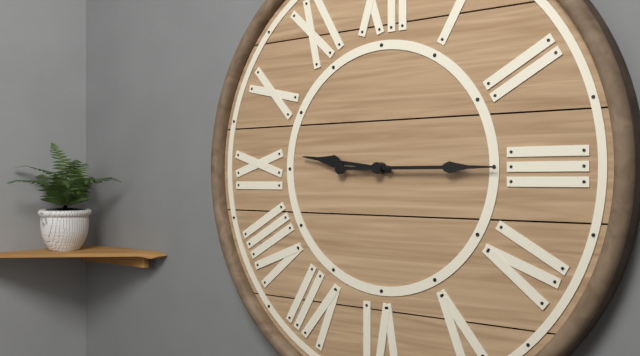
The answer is 9 h 15 min
